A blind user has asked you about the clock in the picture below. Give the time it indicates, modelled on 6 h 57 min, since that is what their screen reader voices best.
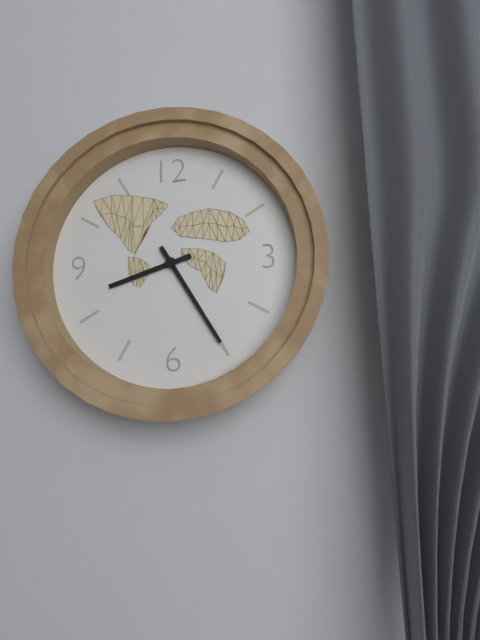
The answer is 8 h 25 min
